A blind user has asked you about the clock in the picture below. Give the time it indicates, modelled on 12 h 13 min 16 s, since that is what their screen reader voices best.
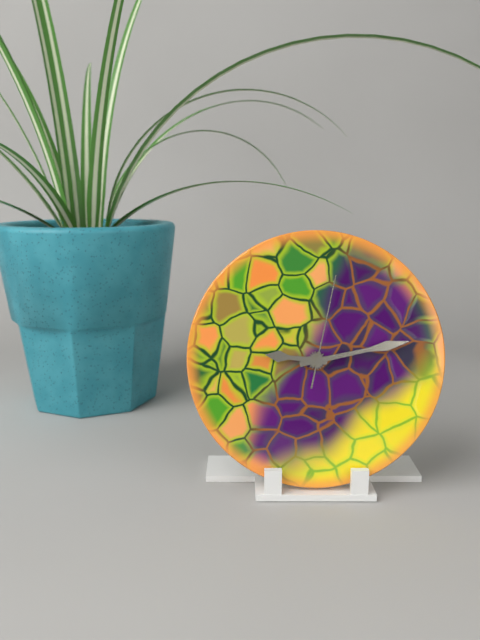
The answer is 9 h 13 min 02 s
